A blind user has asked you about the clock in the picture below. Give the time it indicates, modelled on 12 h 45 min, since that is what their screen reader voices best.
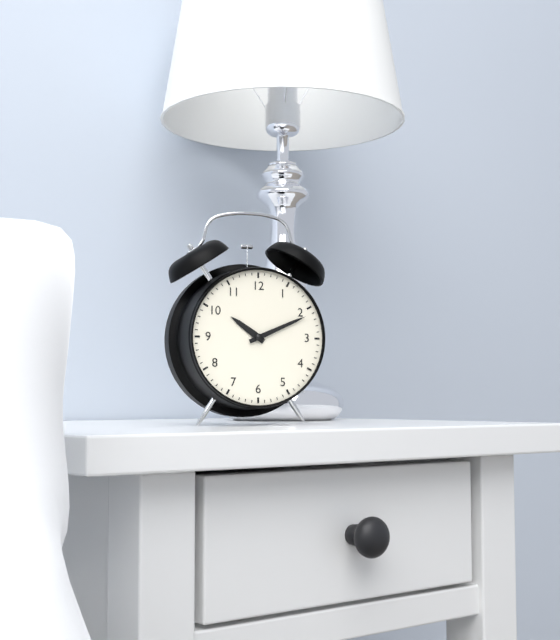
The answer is 10 h 11 min
